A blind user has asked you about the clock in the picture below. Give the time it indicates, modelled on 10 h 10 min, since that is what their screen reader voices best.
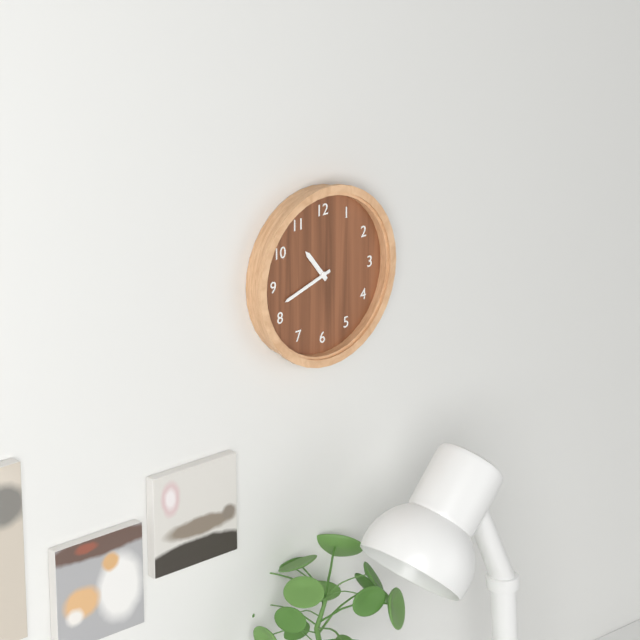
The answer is 10 h 42 min
